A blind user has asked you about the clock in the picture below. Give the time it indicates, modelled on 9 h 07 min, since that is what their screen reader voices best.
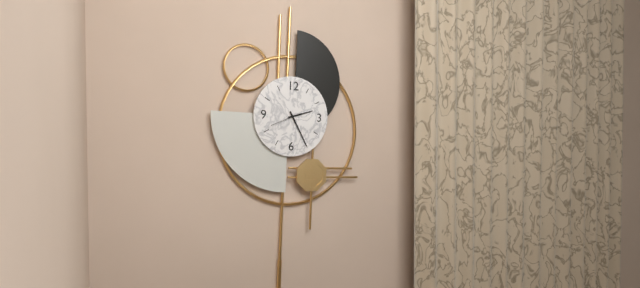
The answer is 2 h 25 min
